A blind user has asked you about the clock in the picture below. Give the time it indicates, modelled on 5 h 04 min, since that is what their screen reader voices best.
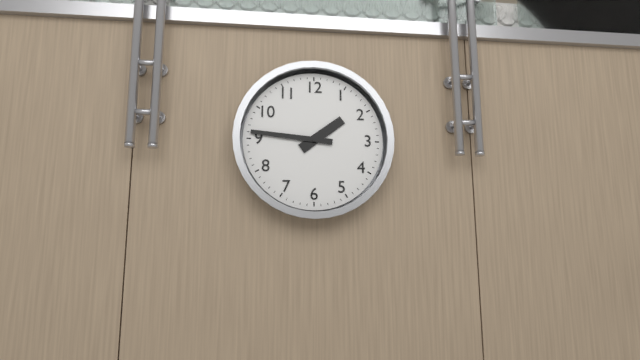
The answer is 1 h 46 min
